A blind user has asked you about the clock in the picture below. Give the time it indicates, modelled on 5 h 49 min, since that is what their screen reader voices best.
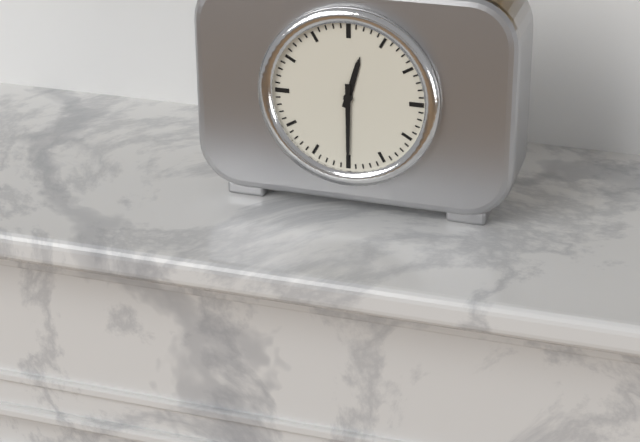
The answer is 12 h 30 min
